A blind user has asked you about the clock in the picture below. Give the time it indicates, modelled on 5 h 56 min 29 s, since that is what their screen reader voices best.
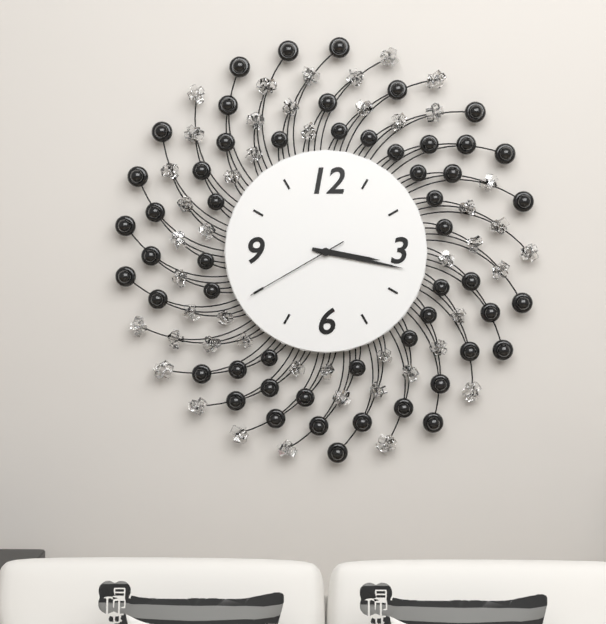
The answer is 3 h 17 min 40 s
